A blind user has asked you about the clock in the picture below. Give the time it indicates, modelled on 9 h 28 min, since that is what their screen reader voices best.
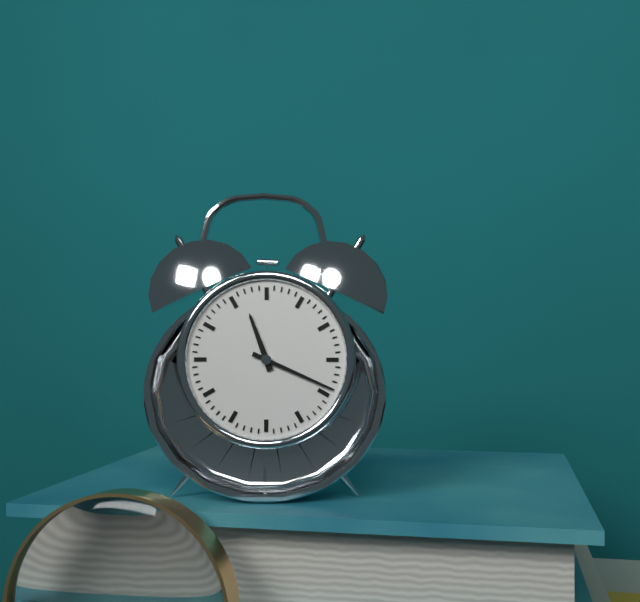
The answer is 11 h 19 min
